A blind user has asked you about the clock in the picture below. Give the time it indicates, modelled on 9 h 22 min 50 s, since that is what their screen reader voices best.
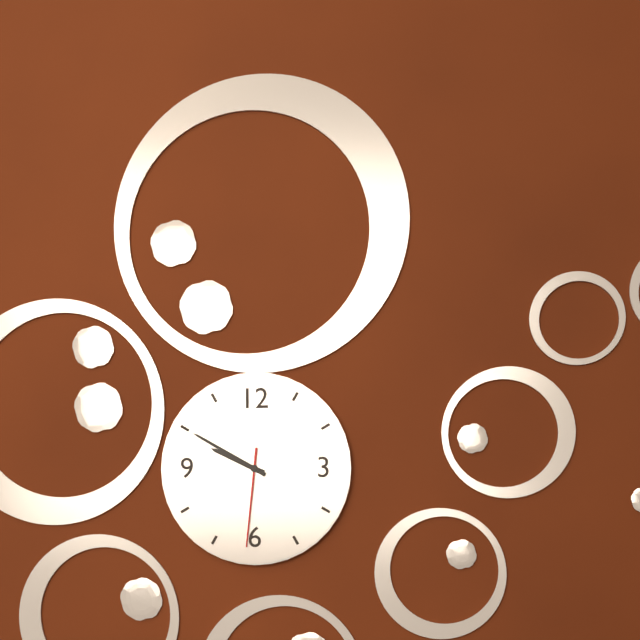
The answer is 9 h 50 min 31 s
